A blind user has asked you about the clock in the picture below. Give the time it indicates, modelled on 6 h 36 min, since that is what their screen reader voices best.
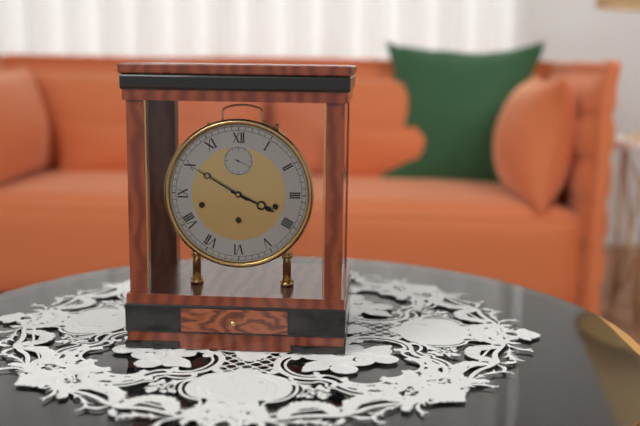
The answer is 3 h 50 min
